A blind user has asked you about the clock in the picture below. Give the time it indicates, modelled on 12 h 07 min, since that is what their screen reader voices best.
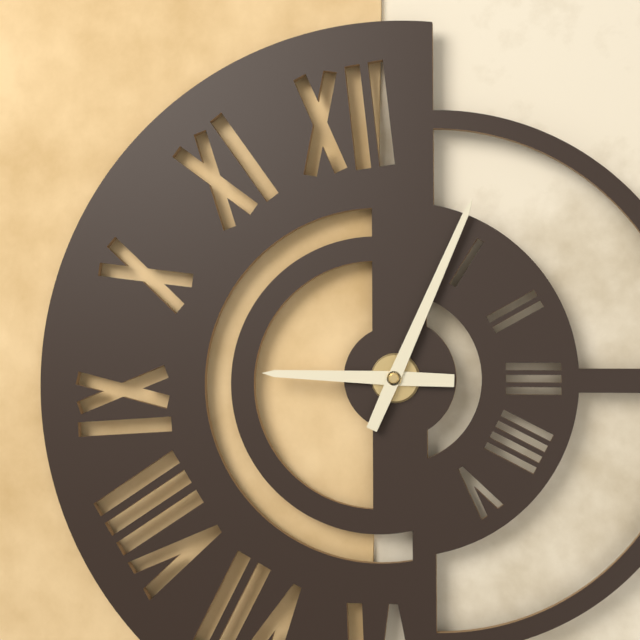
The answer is 9 h 04 min
